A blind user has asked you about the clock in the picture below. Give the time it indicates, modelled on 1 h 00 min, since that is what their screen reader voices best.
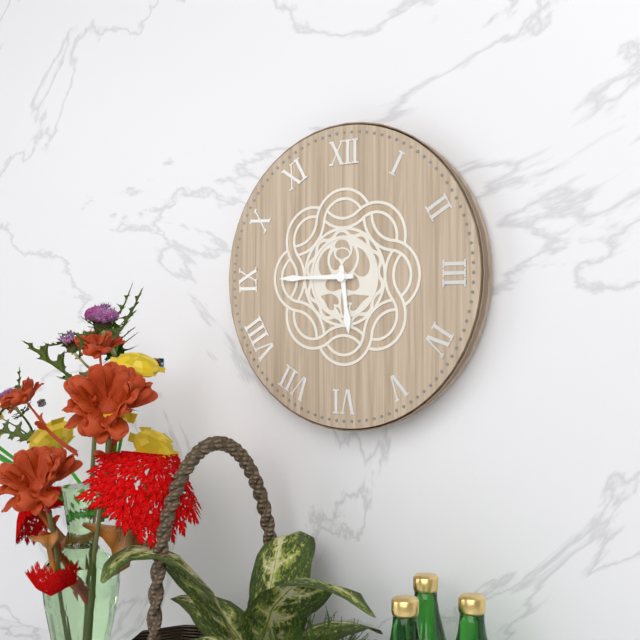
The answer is 5 h 45 min
